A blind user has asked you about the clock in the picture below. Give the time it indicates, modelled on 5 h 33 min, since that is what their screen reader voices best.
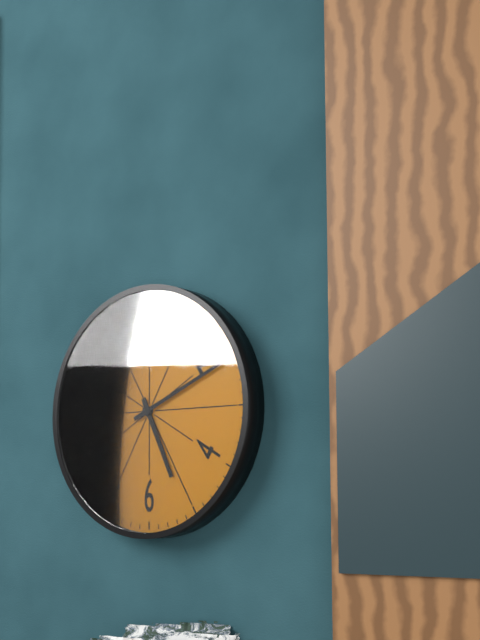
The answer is 5 h 11 min
